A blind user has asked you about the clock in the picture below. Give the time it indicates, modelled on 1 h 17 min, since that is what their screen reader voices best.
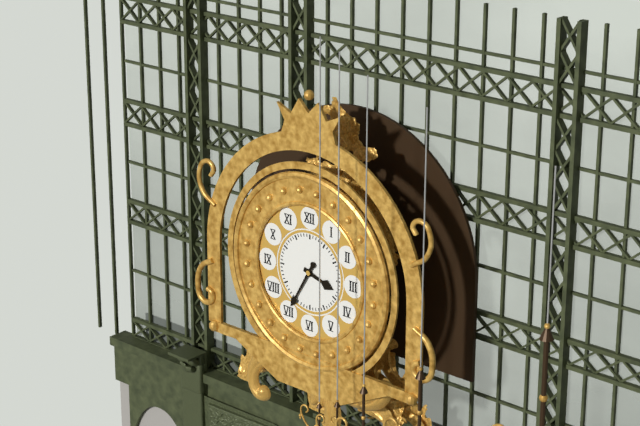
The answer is 3 h 35 min
